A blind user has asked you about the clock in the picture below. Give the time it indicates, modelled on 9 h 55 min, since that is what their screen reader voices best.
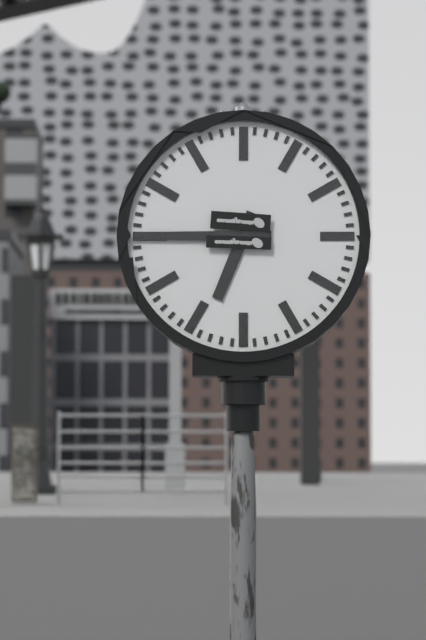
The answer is 6 h 45 min
